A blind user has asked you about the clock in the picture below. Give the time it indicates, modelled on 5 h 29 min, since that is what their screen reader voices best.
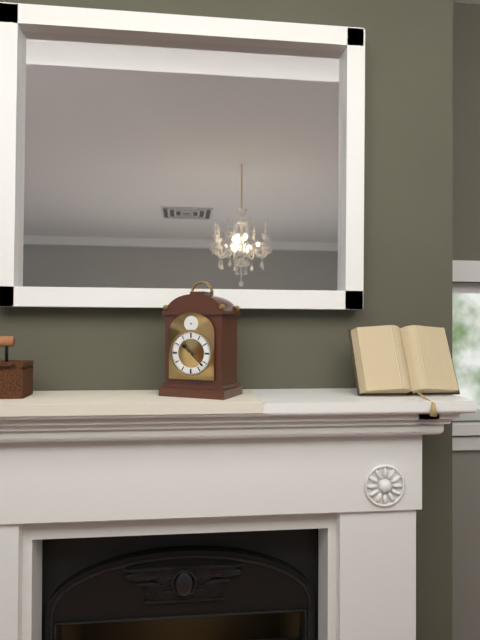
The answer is 10 h 22 min
